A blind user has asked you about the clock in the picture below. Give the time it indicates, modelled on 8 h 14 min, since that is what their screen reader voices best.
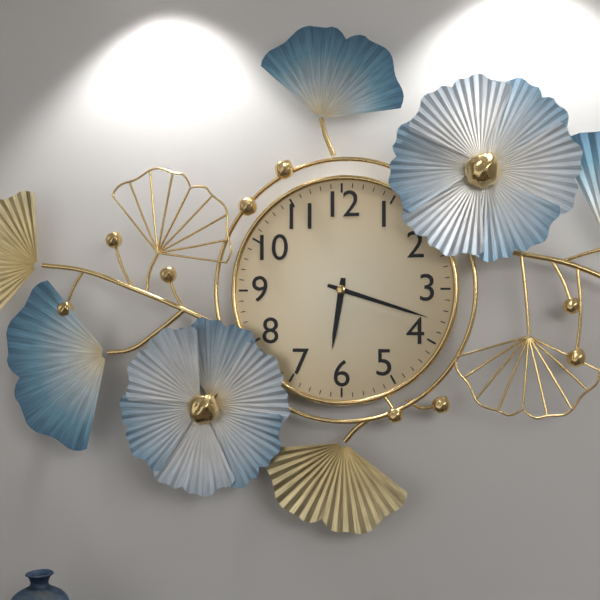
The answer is 6 h 18 min
